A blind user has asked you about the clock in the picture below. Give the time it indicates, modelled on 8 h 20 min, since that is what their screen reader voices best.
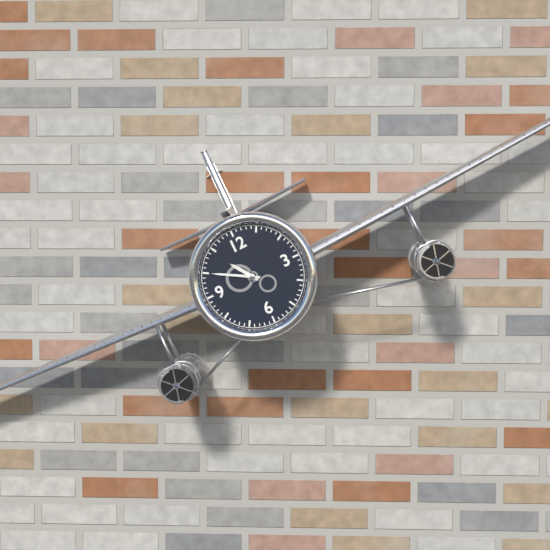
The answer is 10 h 50 min
